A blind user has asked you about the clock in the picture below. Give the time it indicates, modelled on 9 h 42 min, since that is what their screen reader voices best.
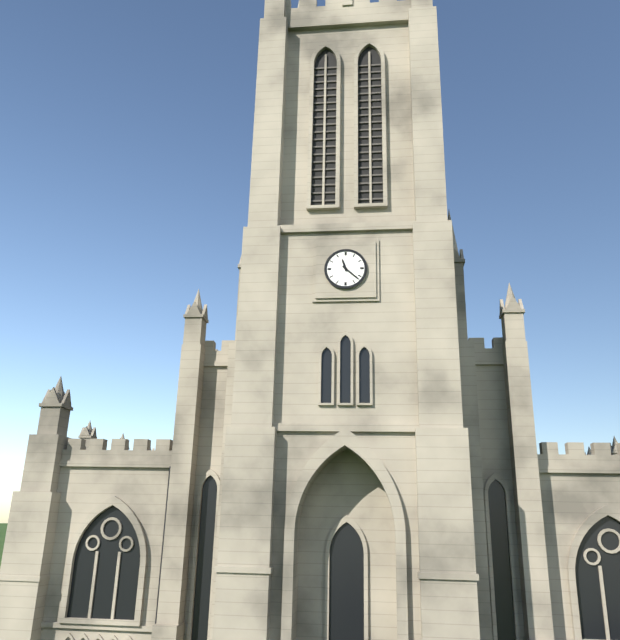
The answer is 11 h 22 min
